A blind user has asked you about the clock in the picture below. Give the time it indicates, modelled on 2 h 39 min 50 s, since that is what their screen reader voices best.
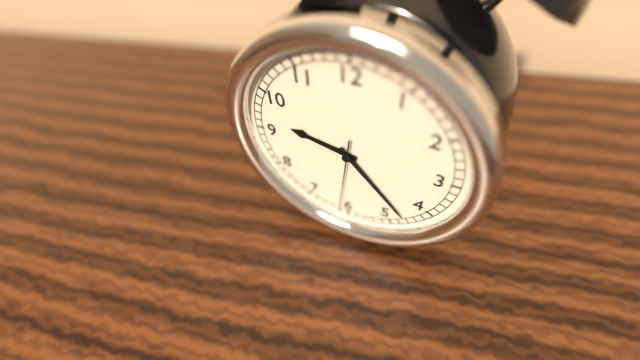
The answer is 9 h 23 min 31 s
